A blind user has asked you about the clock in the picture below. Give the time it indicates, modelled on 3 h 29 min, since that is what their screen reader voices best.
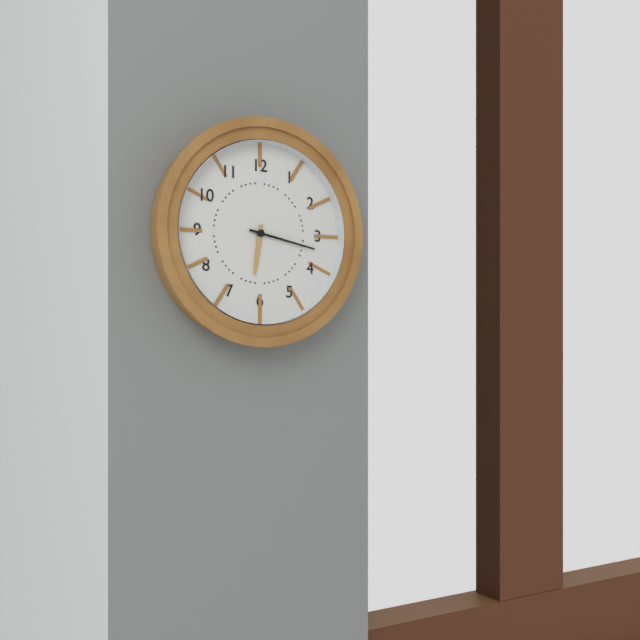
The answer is 6 h 17 min
